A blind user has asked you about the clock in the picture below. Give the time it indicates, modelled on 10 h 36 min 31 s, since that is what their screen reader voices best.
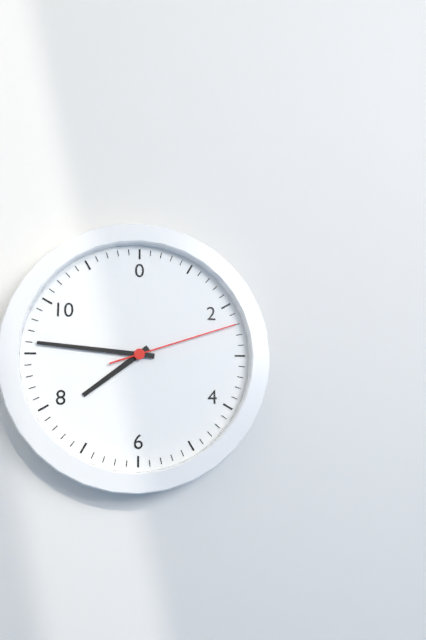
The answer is 7 h 46 min 12 s
